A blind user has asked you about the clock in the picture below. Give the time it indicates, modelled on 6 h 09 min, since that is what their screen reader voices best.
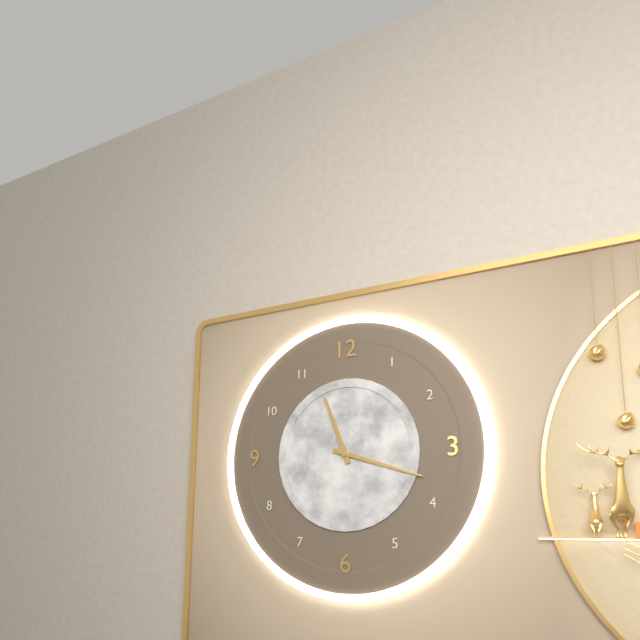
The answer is 11 h 18 min
